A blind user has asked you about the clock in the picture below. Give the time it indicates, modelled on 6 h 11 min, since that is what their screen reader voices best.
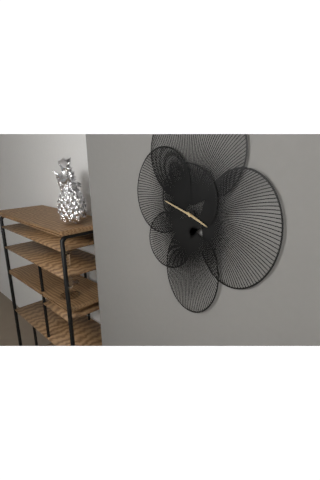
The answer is 3 h 48 min
